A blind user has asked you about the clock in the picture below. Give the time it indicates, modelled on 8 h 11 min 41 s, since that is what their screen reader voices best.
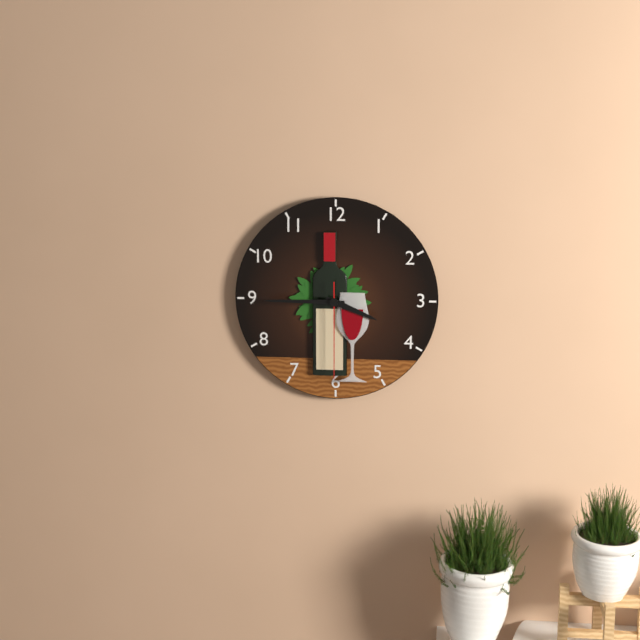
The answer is 3 h 45 min 30 s
